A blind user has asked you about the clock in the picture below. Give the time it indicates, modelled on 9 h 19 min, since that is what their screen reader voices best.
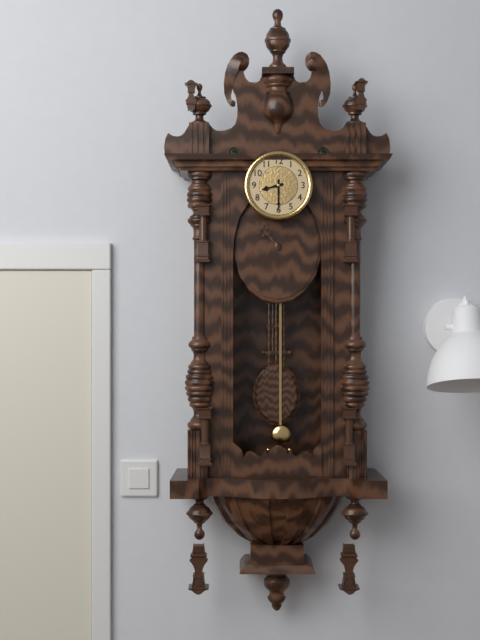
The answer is 8 h 30 min
